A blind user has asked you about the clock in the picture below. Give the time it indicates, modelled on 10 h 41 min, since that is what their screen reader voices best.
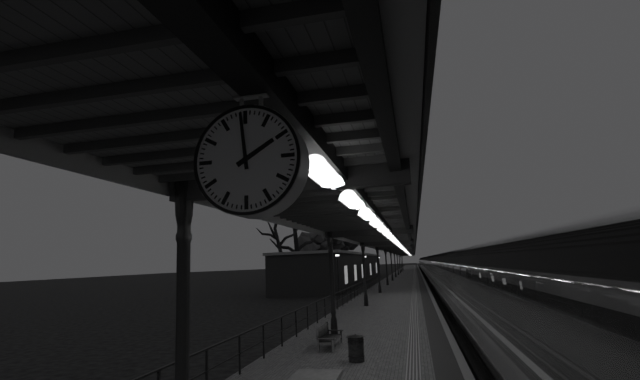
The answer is 1 h 59 min
